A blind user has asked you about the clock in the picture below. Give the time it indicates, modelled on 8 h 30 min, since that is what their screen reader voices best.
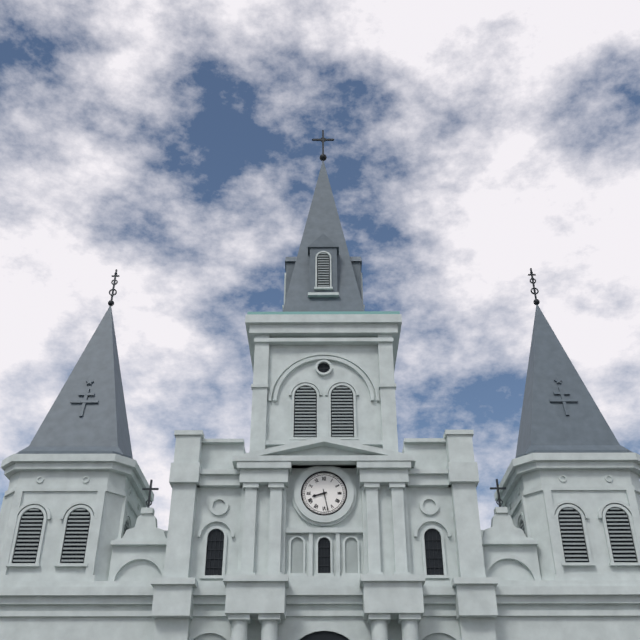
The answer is 8 h 28 min
